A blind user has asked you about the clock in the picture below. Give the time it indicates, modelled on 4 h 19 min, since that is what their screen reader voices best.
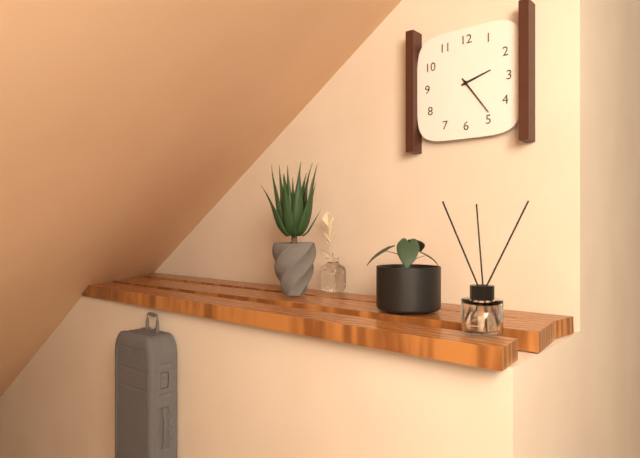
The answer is 2 h 24 min
